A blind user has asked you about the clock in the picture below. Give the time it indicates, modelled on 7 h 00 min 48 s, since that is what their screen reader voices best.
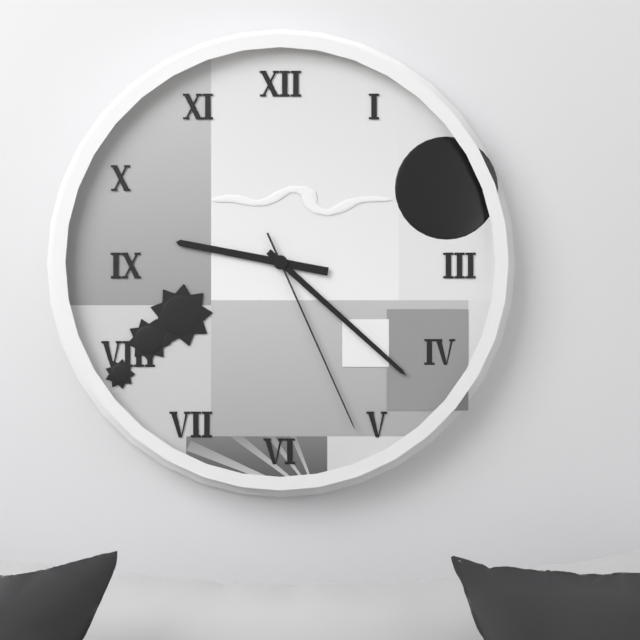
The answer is 9 h 22 min 26 s
